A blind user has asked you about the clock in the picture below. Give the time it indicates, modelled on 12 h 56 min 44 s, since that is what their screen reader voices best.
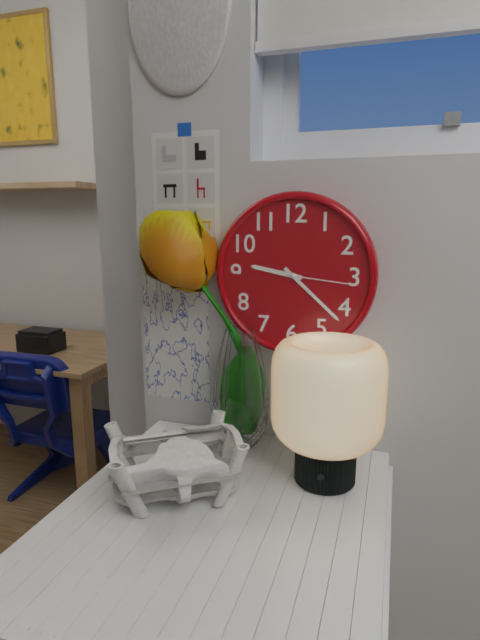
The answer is 9 h 22 min 16 s
